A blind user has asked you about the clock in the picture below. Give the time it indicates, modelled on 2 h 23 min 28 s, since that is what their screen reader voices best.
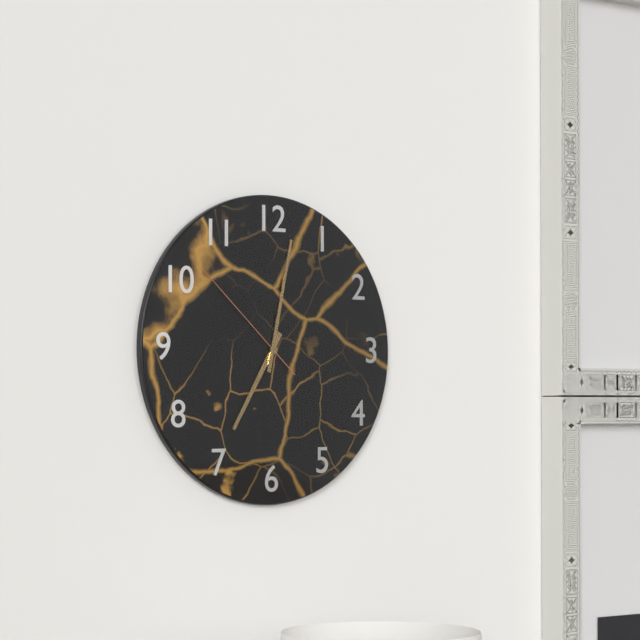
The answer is 7 h 02 min 52 s
